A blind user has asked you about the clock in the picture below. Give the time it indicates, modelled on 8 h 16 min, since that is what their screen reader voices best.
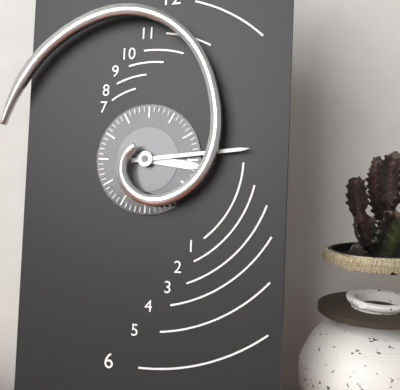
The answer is 3 h 14 min
